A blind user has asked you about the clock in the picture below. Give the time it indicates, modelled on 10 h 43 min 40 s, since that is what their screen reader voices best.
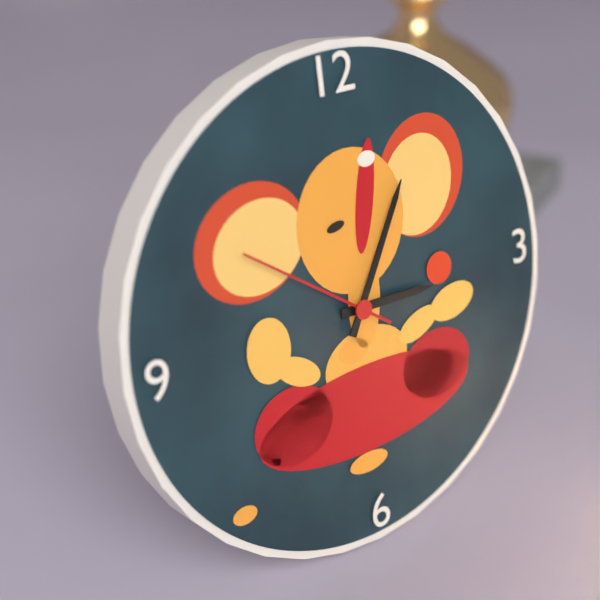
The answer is 3 h 05 min 51 s
